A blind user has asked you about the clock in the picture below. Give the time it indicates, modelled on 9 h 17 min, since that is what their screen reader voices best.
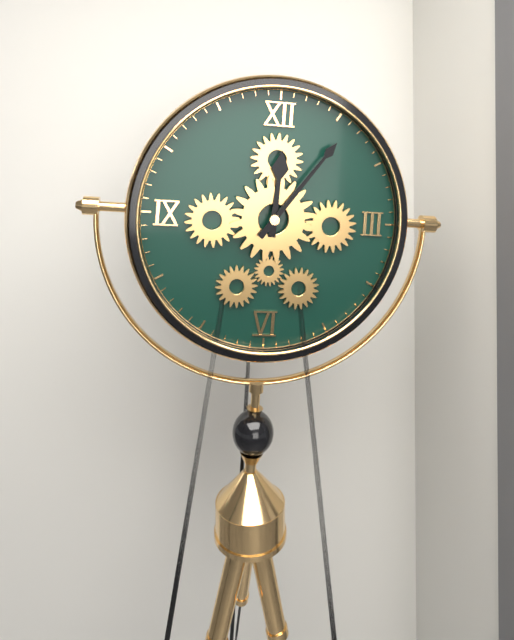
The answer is 12 h 06 min
